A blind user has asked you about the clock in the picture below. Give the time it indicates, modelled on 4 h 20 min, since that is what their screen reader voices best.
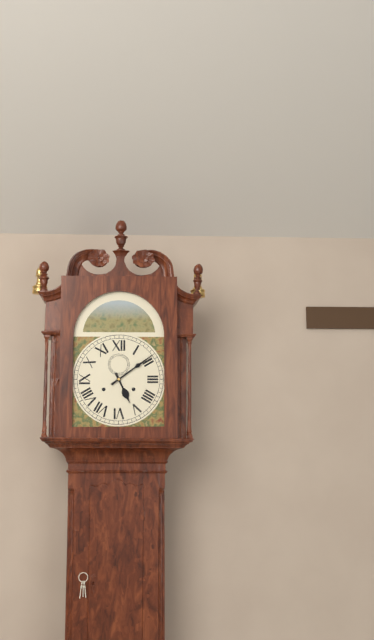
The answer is 5 h 09 min
